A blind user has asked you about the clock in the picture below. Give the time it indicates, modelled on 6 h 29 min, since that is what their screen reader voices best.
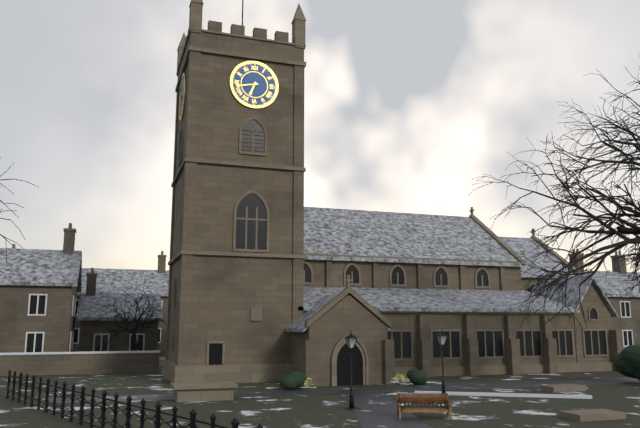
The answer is 6 h 43 min
